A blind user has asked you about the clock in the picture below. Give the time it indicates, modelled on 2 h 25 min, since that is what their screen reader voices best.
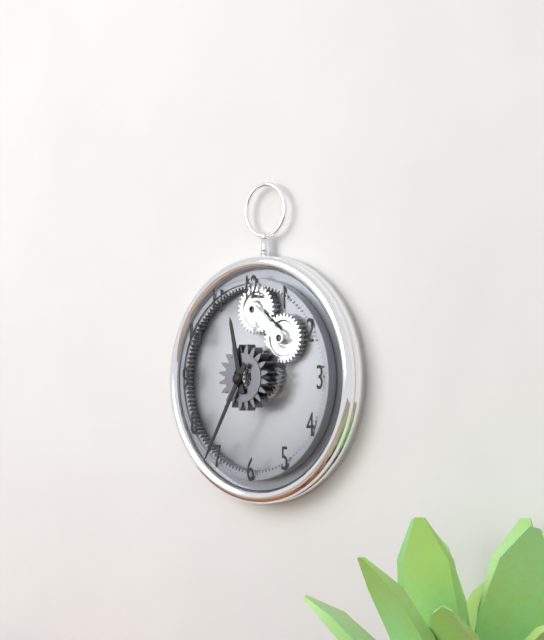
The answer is 11 h 35 min
